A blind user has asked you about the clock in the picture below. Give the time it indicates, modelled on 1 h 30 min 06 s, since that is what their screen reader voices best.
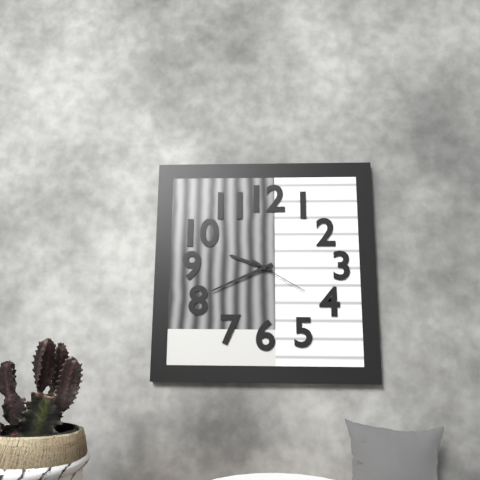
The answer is 9 h 41 min 20 s
